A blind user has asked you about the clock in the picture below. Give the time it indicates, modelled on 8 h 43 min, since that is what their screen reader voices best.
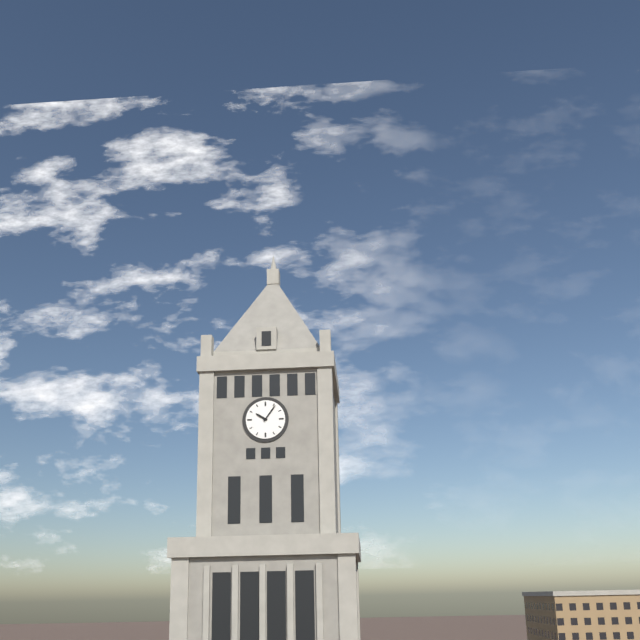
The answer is 10 h 06 min
